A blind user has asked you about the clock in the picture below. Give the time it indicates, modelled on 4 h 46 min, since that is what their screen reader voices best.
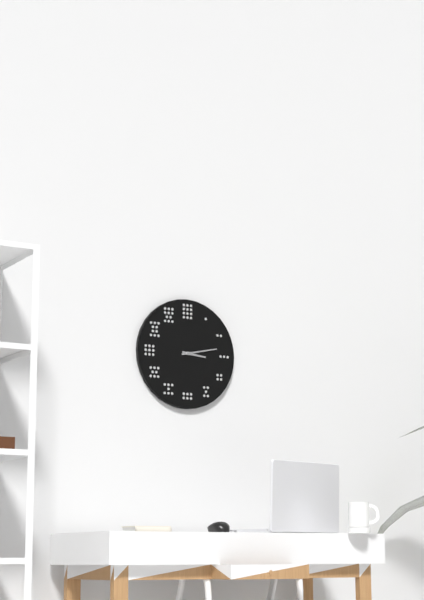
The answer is 3 h 13 min
